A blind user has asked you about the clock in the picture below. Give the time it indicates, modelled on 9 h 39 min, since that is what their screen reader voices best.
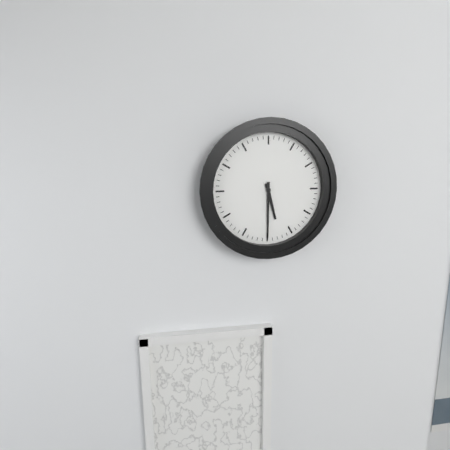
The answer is 5 h 30 min
